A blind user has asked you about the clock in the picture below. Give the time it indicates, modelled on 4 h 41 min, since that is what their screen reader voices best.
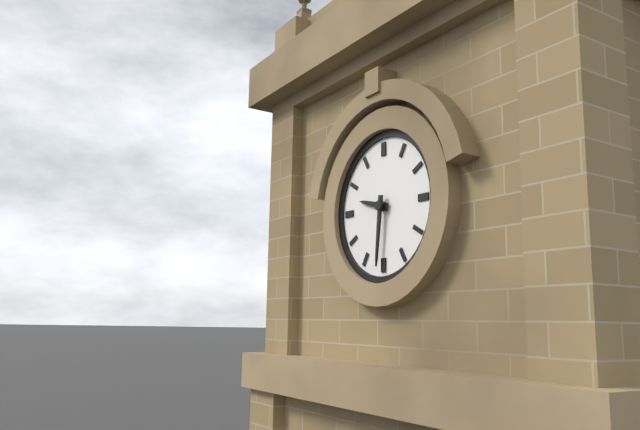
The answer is 9 h 31 min
